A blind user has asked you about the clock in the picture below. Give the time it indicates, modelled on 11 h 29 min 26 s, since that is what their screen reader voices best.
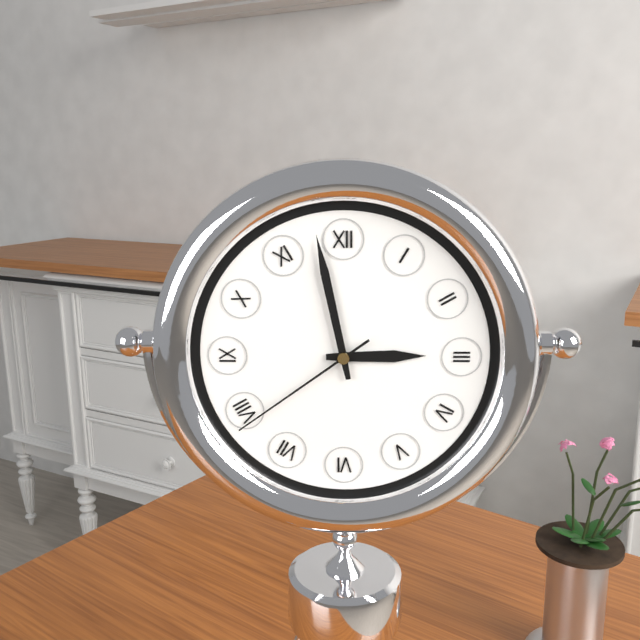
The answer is 2 h 58 min 39 s
